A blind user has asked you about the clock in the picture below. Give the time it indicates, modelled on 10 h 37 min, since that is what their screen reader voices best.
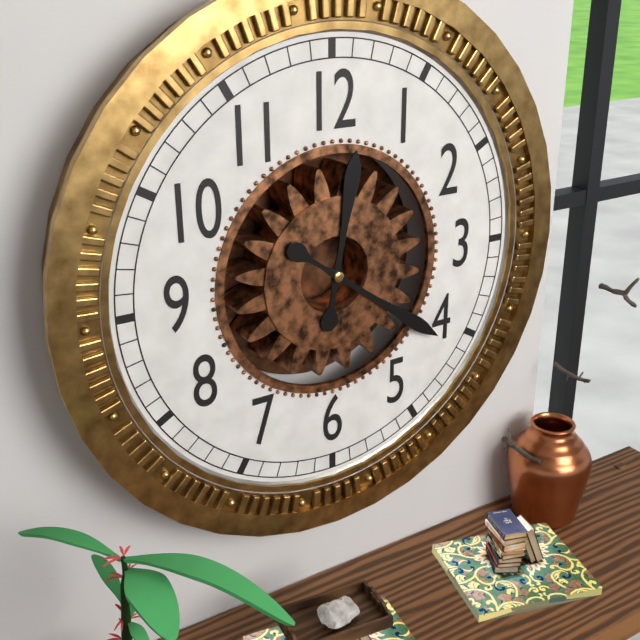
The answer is 12 h 21 min
